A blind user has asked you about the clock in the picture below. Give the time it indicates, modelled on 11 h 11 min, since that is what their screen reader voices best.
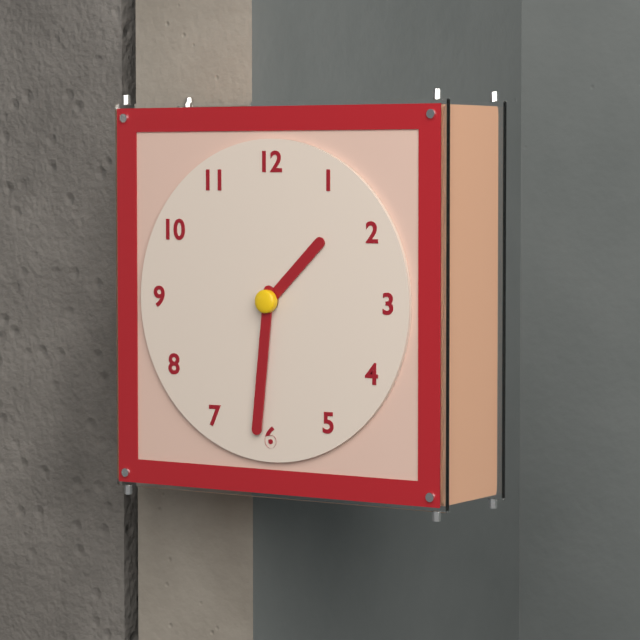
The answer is 1 h 31 min
